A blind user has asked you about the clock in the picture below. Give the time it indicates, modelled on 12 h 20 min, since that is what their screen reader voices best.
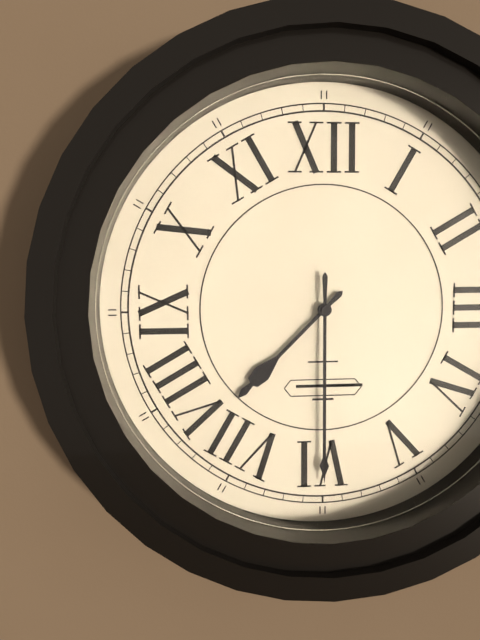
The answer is 7 h 30 min
